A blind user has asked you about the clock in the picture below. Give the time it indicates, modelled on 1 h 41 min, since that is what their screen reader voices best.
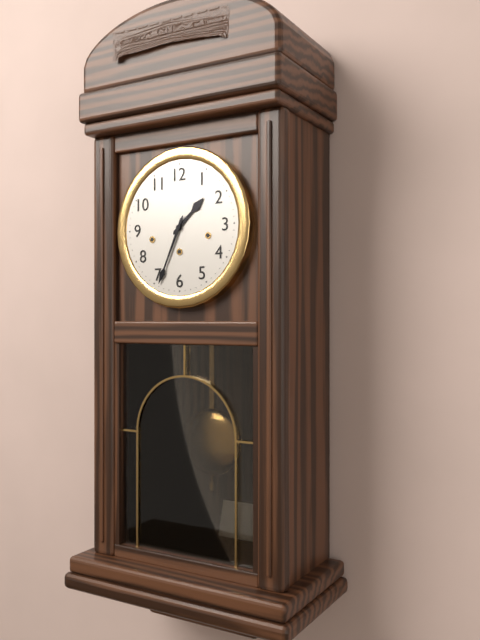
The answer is 1 h 34 min
